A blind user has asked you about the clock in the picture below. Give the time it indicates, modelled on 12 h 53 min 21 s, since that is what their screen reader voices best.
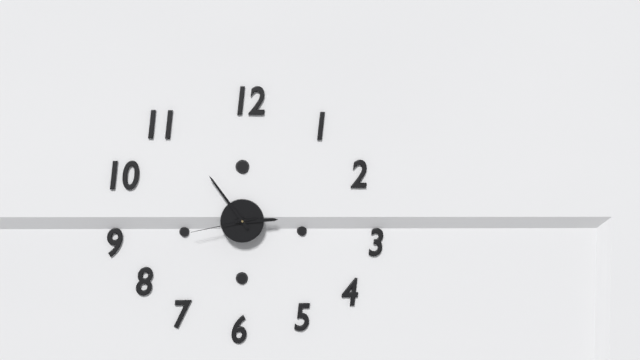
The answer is 2 h 54 min 43 s
